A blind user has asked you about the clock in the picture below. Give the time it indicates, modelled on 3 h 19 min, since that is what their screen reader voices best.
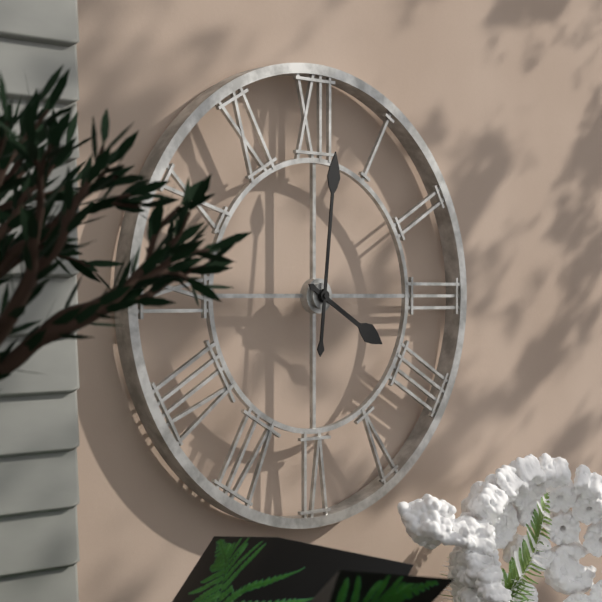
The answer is 4 h 01 min
